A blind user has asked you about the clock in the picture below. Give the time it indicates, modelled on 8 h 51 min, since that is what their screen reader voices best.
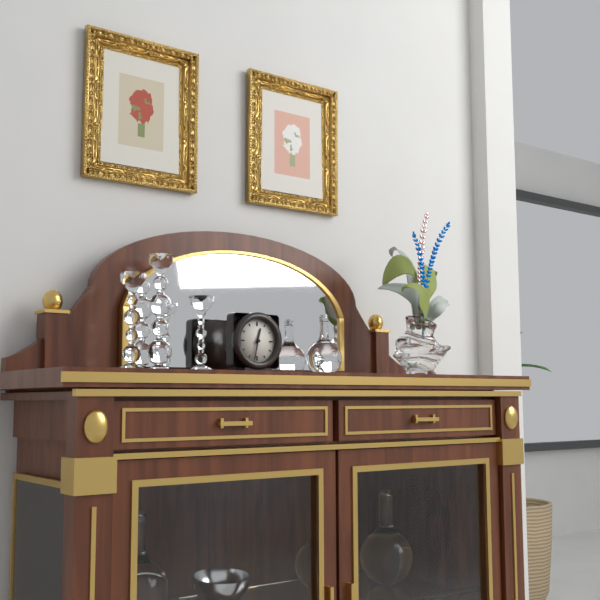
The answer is 12 h 32 min
